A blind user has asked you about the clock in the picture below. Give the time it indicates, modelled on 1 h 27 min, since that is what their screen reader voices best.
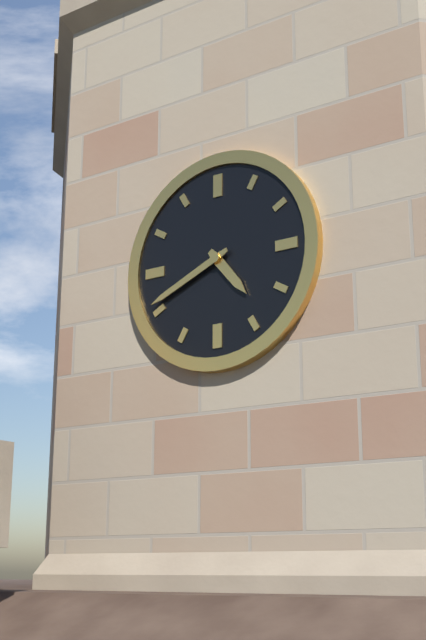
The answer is 4 h 41 min
